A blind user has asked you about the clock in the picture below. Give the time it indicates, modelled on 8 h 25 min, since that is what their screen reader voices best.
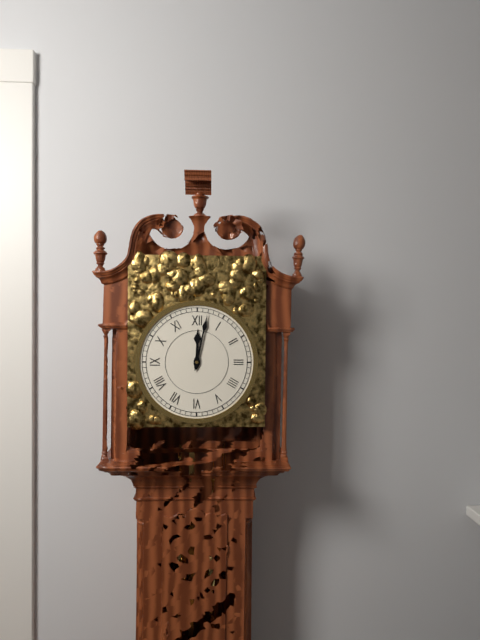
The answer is 12 h 02 min
